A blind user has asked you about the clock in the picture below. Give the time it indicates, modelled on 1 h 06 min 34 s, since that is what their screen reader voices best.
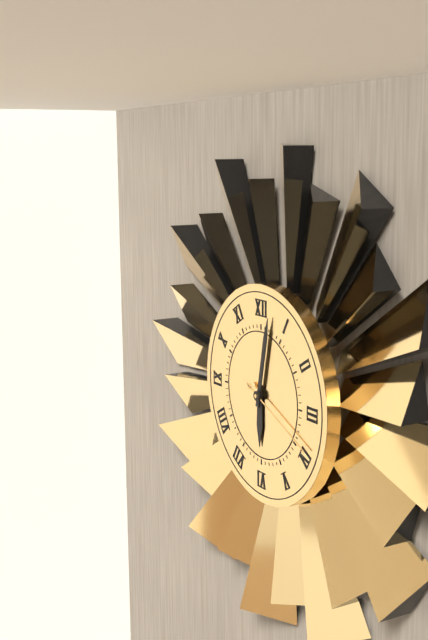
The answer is 6 h 02 min 19 s
